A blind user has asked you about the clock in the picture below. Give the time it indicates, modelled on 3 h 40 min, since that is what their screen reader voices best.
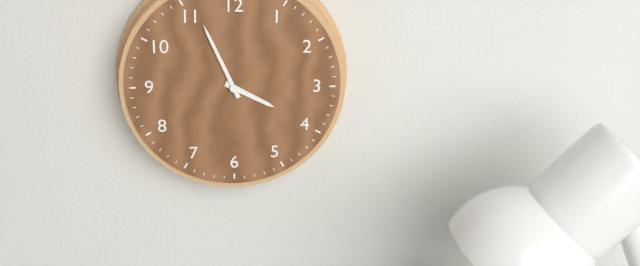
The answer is 3 h 56 min
